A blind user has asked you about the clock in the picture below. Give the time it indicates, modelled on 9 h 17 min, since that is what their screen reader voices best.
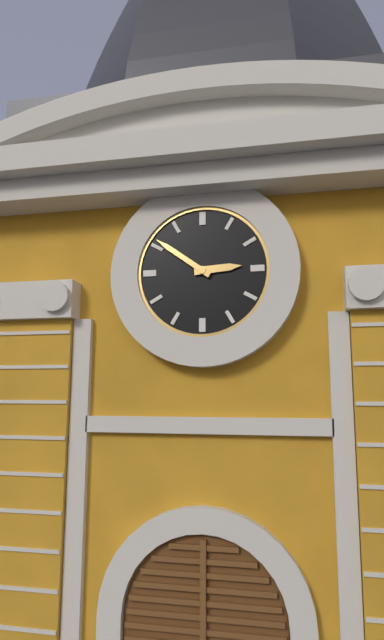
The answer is 2 h 51 min
